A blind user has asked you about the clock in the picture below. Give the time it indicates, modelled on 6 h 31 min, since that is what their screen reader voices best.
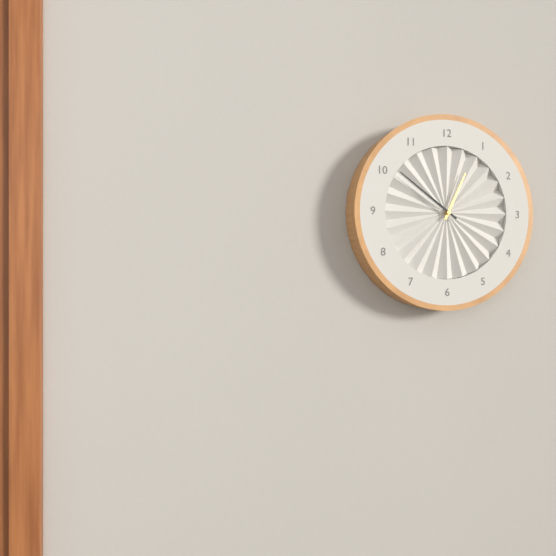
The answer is 12 h 51 min
